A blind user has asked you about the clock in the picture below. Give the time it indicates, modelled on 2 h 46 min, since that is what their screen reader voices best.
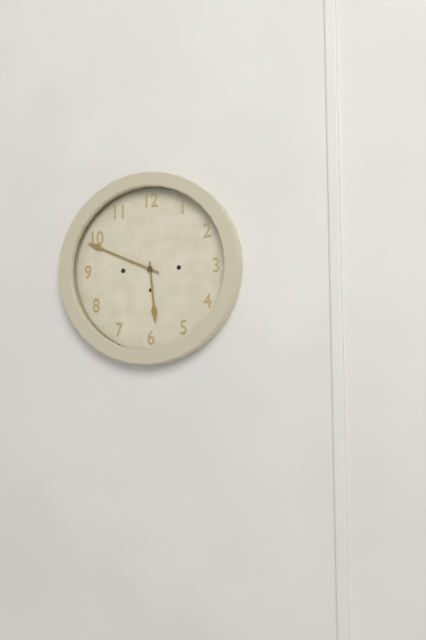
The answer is 5 h 49 min
